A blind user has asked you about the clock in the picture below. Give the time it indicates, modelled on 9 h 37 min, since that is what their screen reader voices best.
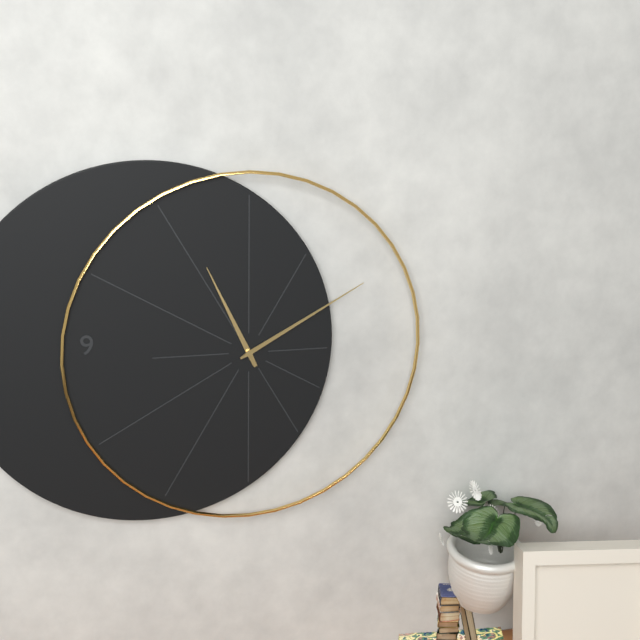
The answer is 11 h 10 min
